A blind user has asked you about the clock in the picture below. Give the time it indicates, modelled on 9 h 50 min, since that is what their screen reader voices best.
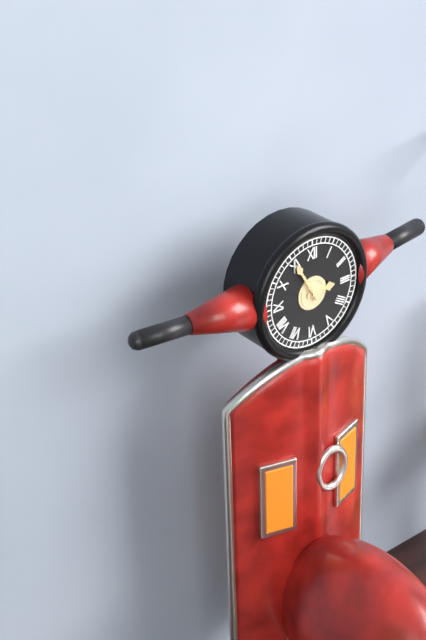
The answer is 2 h 55 min
